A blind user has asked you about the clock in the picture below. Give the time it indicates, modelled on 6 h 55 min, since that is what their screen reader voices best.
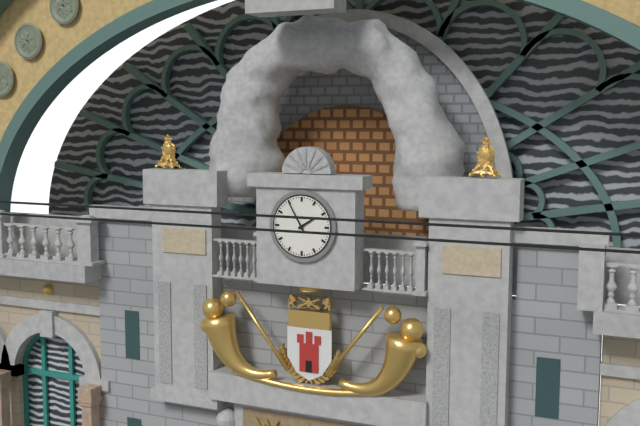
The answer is 1 h 55 min
